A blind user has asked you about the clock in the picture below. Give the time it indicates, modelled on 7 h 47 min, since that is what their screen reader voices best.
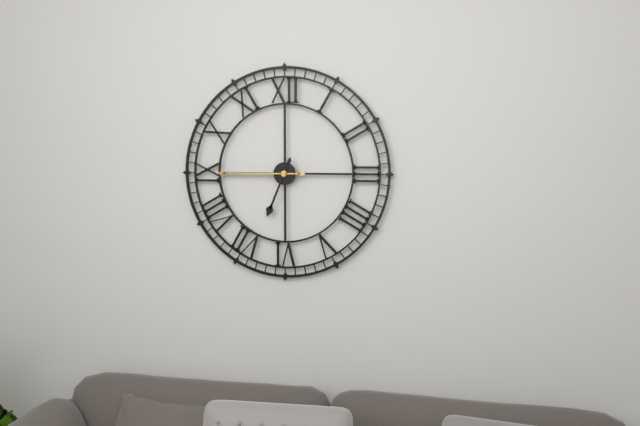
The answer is 6 h 45 min
